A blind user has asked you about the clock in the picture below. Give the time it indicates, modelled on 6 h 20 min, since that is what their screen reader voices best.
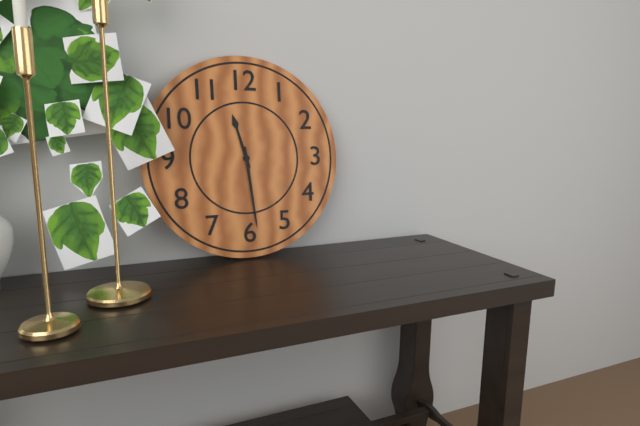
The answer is 11 h 29 min
